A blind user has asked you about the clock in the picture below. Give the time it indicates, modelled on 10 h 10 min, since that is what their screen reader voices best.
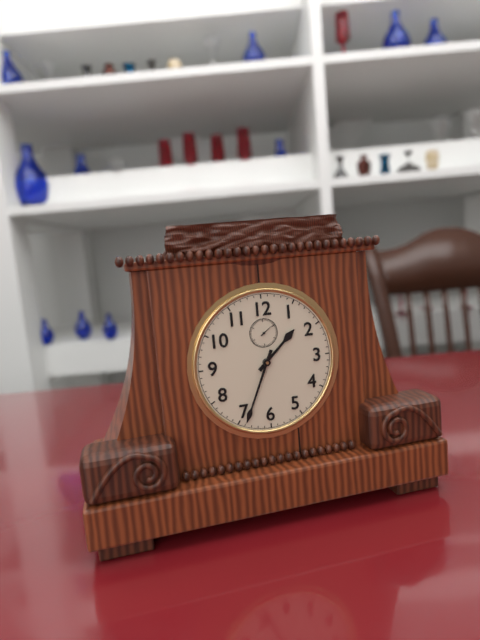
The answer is 1 h 34 min
